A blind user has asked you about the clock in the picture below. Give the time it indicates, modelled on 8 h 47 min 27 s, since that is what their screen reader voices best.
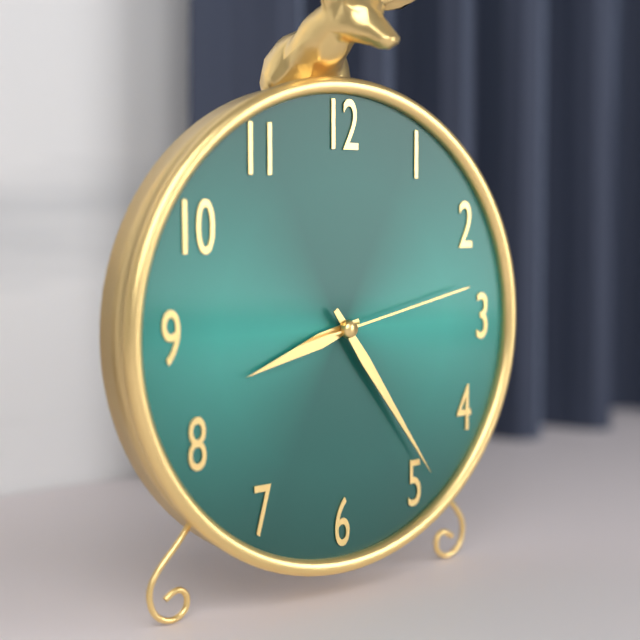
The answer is 8 h 24 min 13 s
